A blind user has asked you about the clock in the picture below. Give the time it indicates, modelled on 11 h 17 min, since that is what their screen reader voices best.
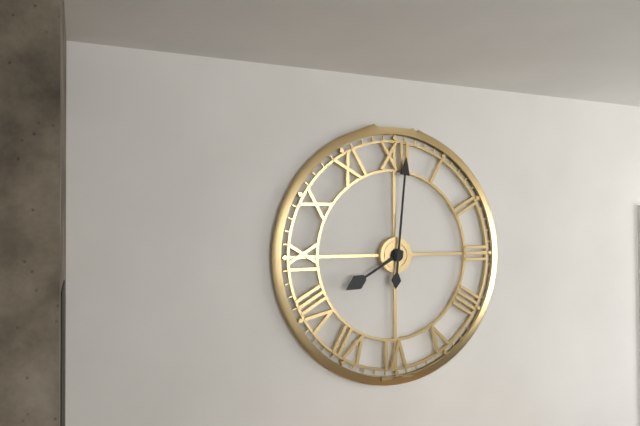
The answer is 8 h 01 min
